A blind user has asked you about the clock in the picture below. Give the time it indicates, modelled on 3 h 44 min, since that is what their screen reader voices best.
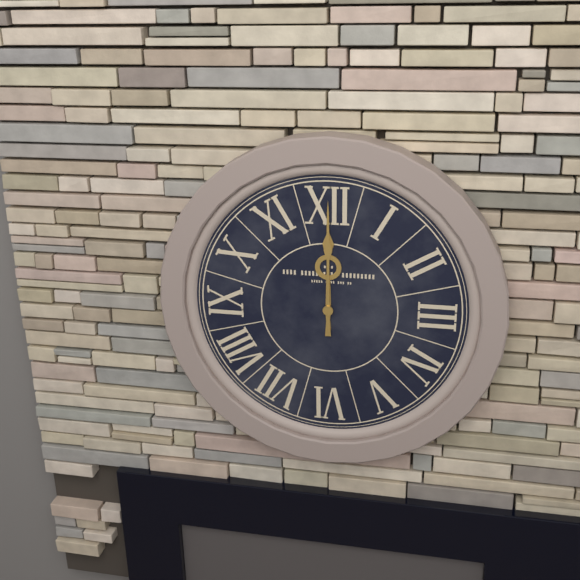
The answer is 12 h 00 min
